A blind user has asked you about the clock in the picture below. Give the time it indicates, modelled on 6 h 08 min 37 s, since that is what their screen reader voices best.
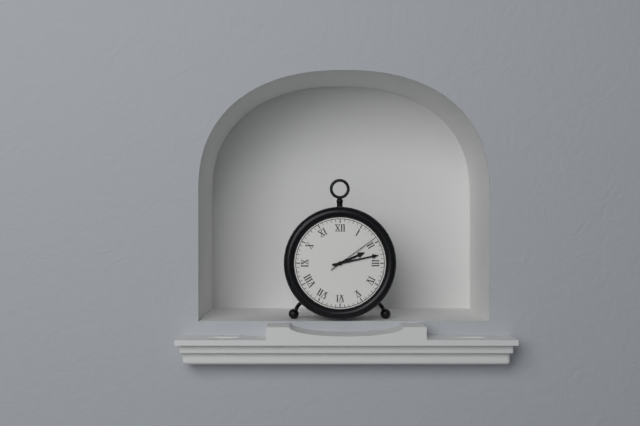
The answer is 2 h 13 min 09 s
